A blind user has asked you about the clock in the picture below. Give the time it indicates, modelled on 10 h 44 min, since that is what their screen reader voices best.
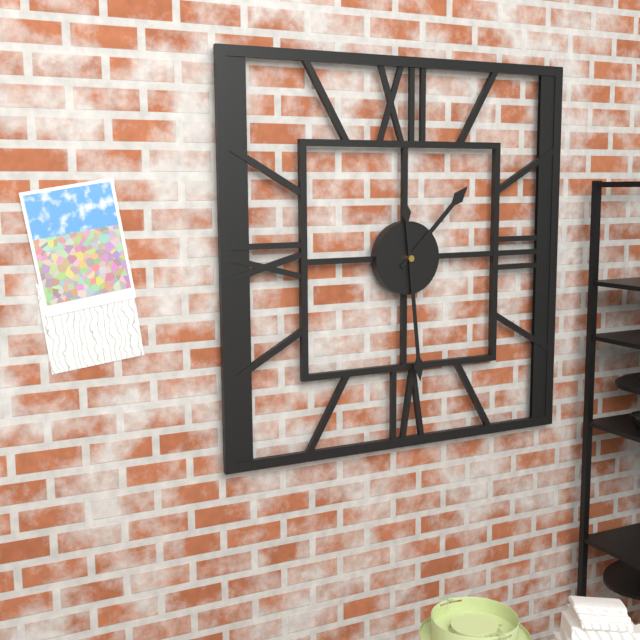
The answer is 1 h 29 min
